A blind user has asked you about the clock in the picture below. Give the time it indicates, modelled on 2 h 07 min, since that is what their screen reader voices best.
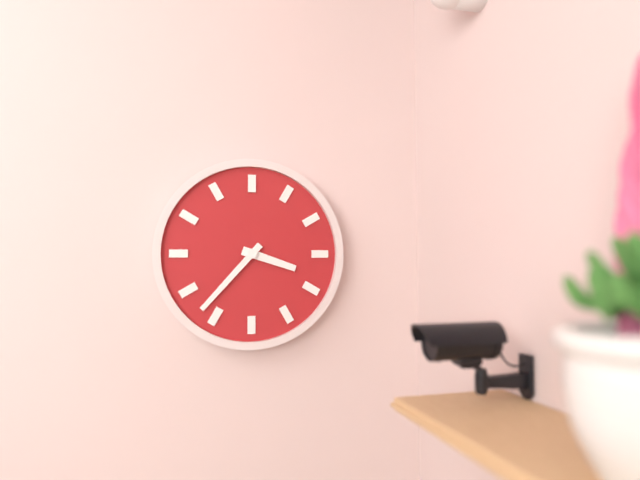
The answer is 3 h 37 min
